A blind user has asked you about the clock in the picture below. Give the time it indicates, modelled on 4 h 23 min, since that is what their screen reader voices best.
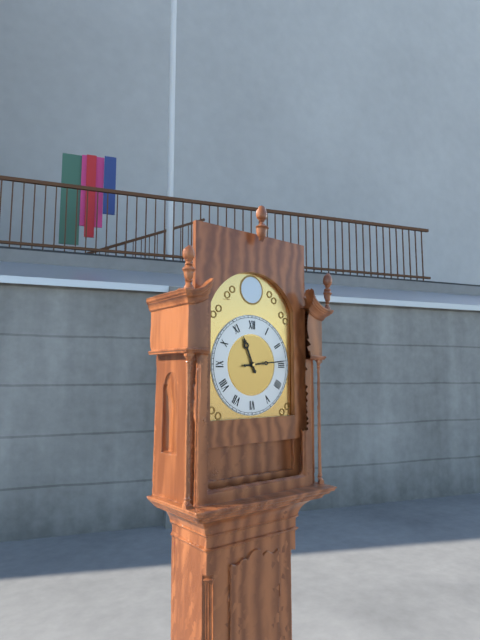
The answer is 11 h 14 min
